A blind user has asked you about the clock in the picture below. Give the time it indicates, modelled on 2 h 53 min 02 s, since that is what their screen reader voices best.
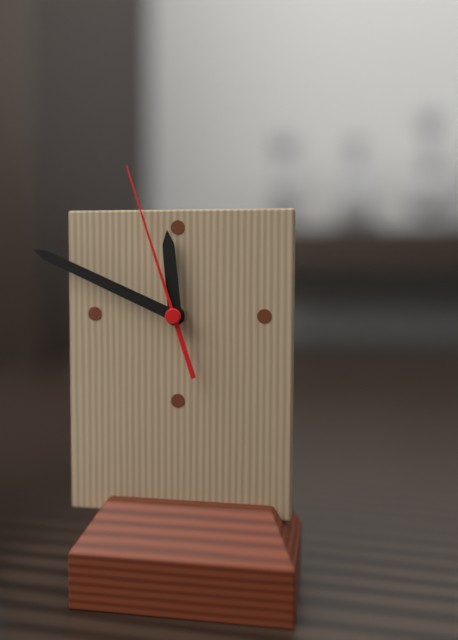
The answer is 11 h 49 min 57 s
